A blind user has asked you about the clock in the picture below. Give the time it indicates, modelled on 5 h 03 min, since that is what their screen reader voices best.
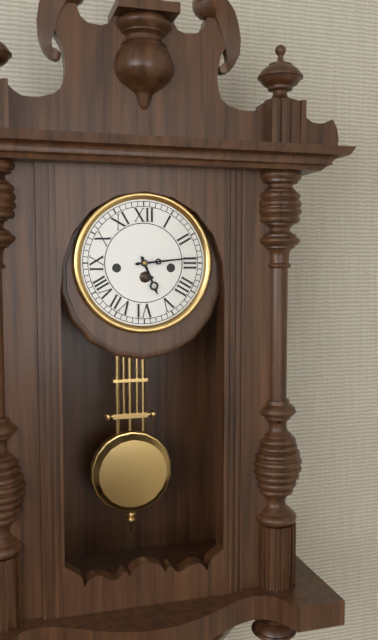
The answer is 5 h 14 min
